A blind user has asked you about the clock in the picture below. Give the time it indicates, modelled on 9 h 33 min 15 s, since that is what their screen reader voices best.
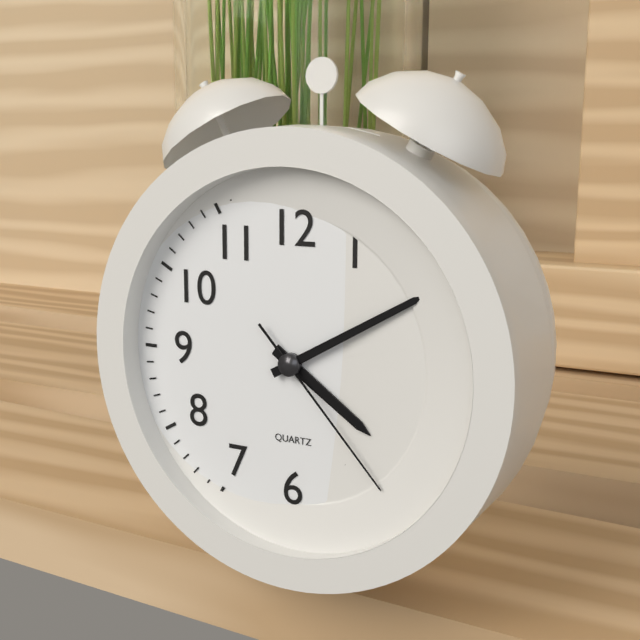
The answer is 4 h 10 min 23 s
